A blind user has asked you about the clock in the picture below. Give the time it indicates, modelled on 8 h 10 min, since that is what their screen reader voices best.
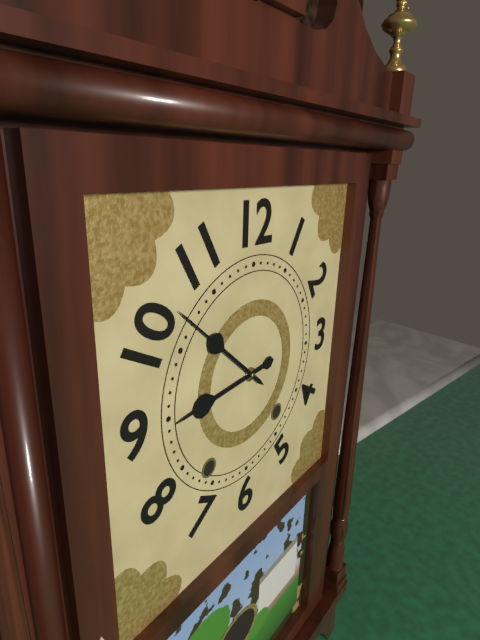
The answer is 8 h 52 min
